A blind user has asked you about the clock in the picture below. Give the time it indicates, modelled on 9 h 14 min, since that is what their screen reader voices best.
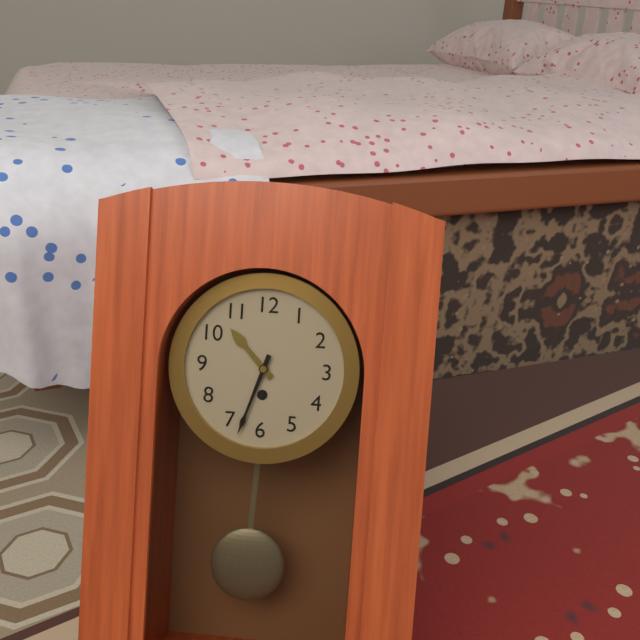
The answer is 10 h 33 min
